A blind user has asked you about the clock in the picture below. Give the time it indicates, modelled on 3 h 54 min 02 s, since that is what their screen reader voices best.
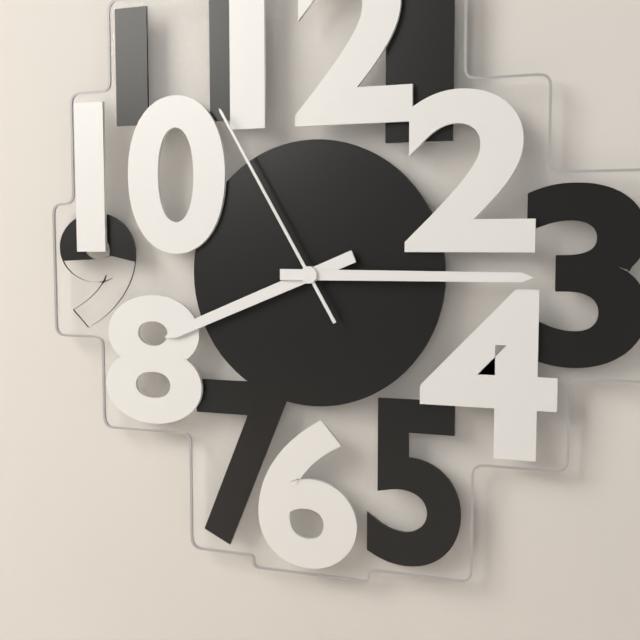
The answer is 8 h 15 min 55 s
